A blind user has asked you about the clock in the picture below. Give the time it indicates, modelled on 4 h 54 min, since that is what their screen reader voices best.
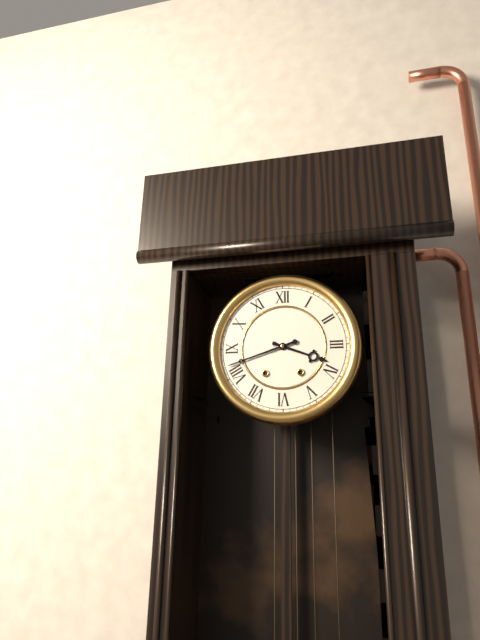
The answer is 3 h 42 min
